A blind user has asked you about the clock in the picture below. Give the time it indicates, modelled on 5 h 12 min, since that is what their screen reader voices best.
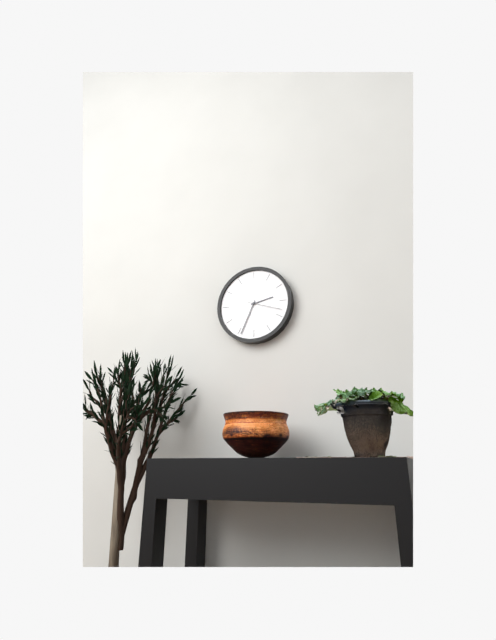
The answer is 2 h 34 min
